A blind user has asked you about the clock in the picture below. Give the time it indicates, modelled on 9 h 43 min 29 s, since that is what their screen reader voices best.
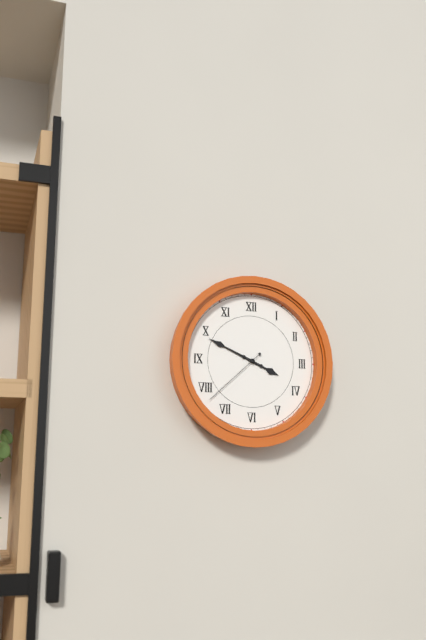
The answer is 3 h 49 min 38 s
